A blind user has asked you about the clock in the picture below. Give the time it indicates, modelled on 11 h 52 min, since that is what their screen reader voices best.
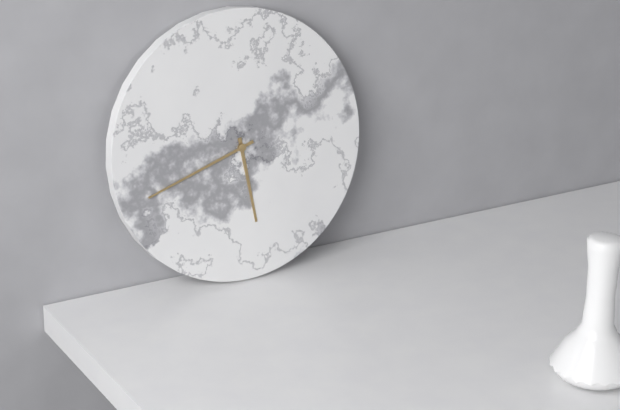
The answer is 5 h 42 min
